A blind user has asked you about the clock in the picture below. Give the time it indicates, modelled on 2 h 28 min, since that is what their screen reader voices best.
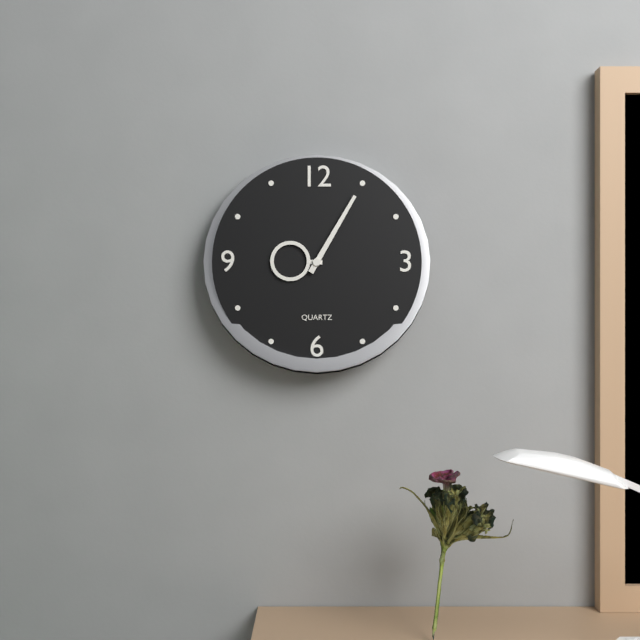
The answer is 9 h 05 min
